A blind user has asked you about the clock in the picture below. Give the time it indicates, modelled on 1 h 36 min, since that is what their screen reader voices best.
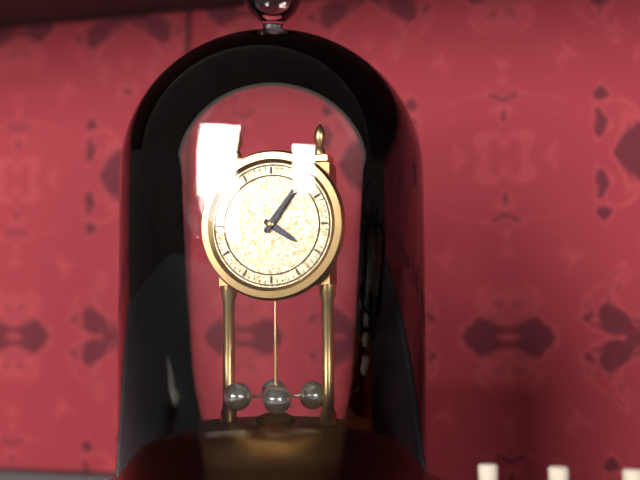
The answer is 4 h 06 min
